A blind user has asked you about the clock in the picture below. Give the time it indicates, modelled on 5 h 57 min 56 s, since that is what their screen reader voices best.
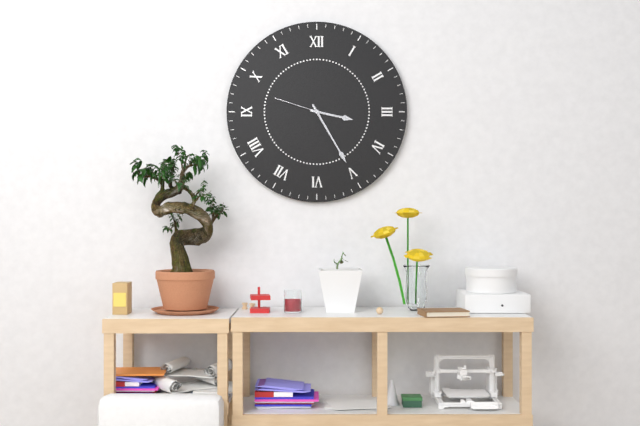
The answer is 3 h 25 min 48 s
